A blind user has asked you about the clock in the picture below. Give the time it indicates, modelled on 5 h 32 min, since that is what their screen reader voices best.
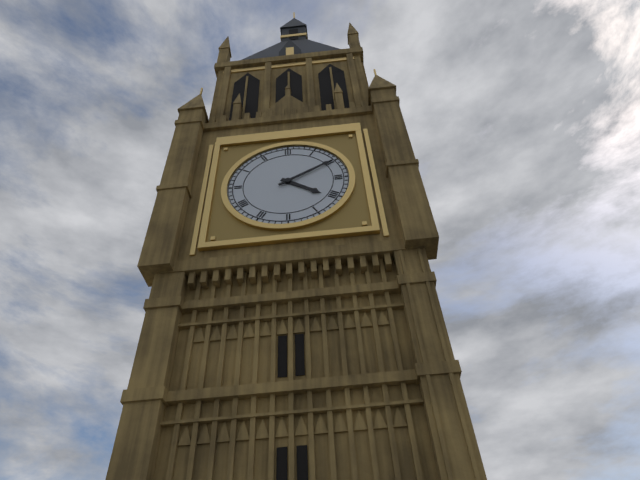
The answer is 4 h 10 min
